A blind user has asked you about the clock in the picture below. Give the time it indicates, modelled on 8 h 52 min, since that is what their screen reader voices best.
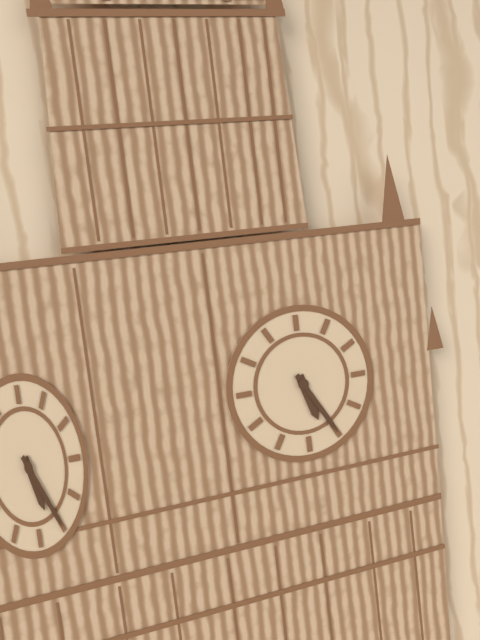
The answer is 5 h 25 min
